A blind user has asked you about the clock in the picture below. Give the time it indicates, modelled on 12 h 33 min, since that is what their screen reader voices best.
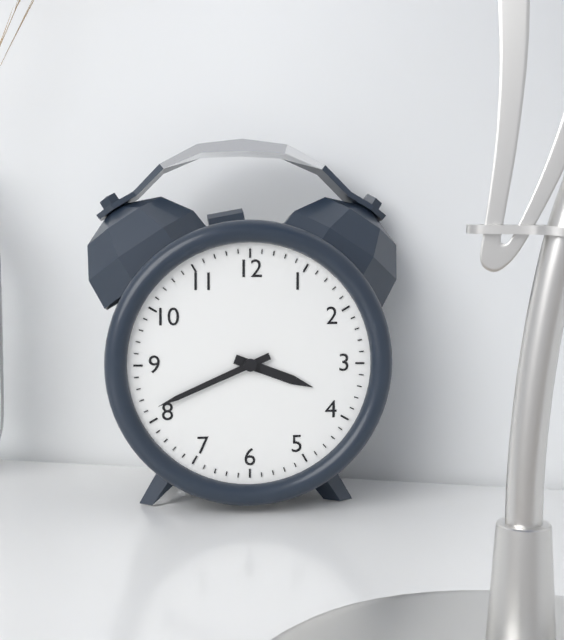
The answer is 3 h 41 min
